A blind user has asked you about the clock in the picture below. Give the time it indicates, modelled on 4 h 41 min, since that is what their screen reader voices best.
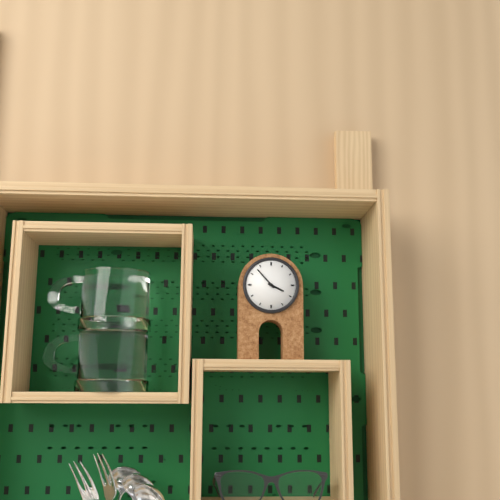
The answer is 3 h 53 min
